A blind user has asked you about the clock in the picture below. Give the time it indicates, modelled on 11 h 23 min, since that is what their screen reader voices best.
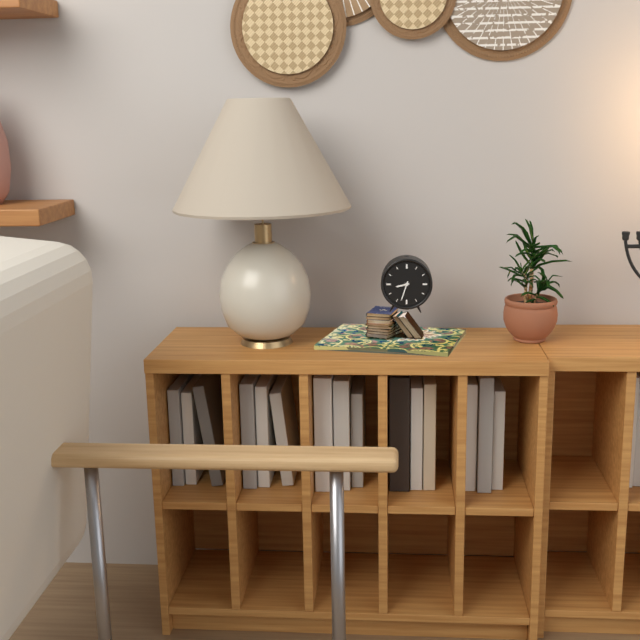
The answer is 8 h 33 min
